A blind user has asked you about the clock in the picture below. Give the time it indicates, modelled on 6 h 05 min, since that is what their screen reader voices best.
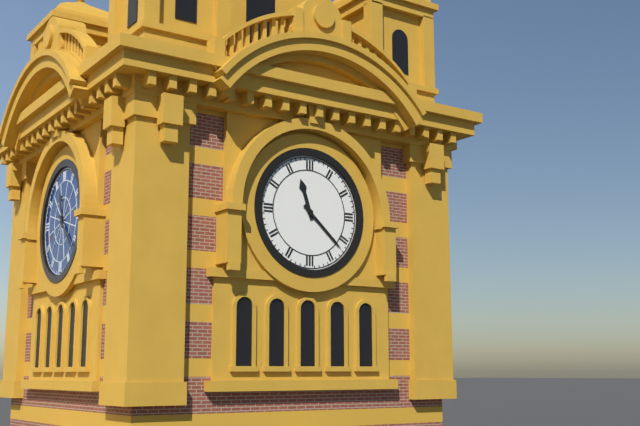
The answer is 11 h 22 min
